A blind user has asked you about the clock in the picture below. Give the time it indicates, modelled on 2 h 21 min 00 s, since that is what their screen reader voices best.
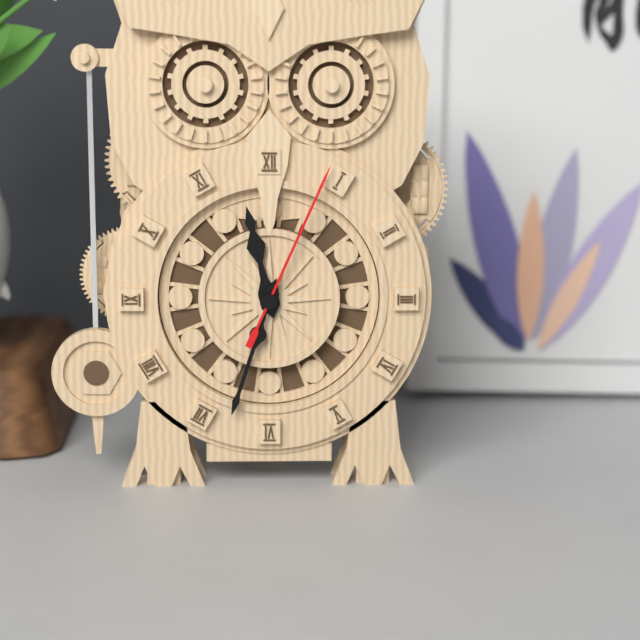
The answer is 11 h 33 min 04 s
